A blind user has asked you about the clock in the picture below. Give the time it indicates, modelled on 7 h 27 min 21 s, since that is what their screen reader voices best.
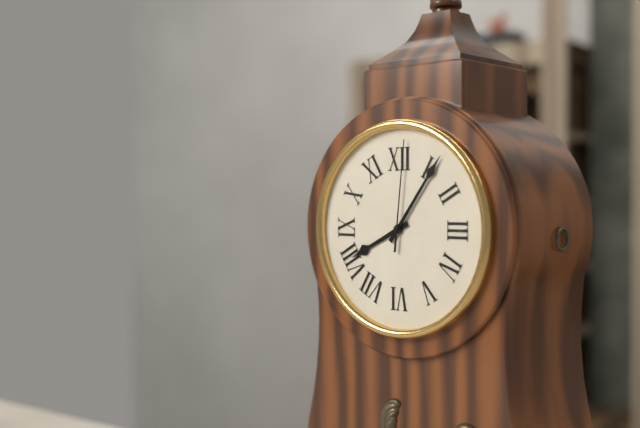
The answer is 8 h 06 min 01 s
